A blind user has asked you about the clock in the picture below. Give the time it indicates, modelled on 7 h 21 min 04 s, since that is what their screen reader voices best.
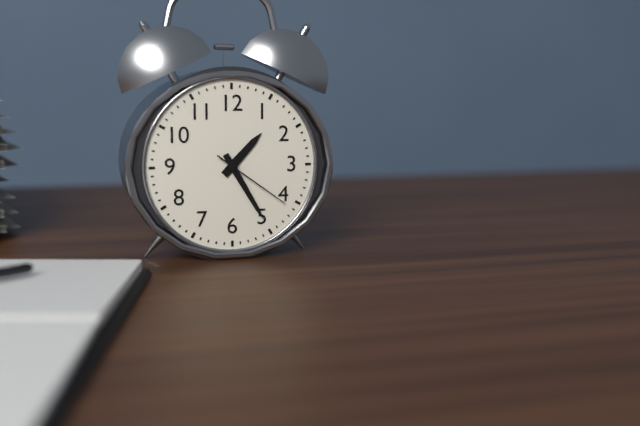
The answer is 1 h 25 min 21 s
